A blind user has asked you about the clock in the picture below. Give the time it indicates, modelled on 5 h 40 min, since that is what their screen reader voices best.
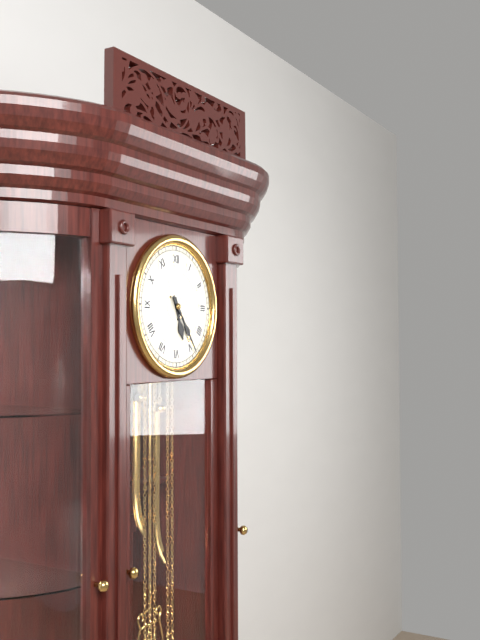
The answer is 5 h 24 min
